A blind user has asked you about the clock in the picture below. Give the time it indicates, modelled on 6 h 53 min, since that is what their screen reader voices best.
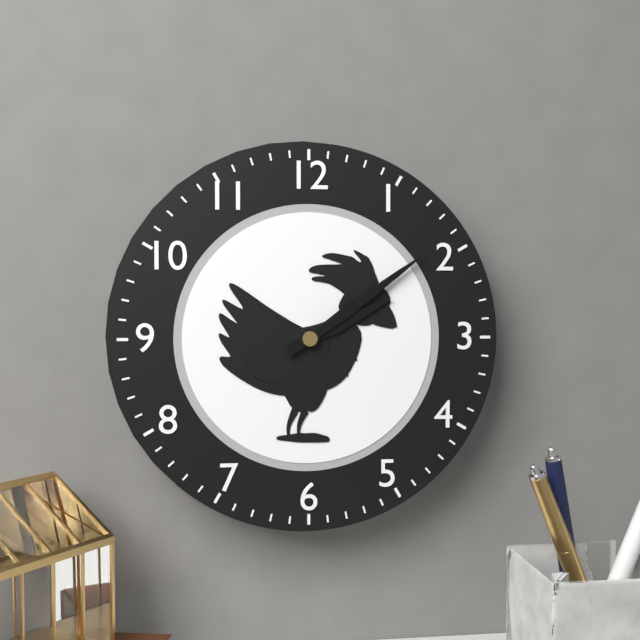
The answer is 2 h 09 min
